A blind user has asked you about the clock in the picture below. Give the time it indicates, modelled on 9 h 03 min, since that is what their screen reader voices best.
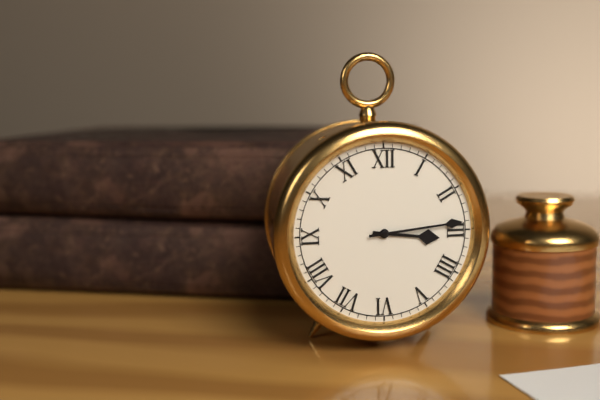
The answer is 3 h 14 min
